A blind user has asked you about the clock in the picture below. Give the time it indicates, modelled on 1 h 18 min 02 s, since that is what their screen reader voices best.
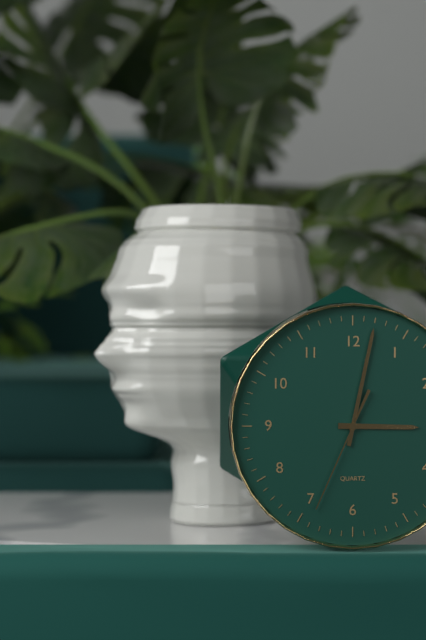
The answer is 3 h 02 min 34 s
